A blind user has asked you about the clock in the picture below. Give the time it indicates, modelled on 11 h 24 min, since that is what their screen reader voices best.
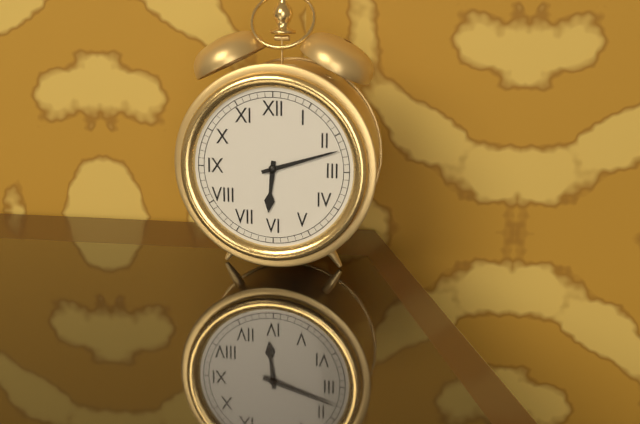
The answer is 6 h 12 min
